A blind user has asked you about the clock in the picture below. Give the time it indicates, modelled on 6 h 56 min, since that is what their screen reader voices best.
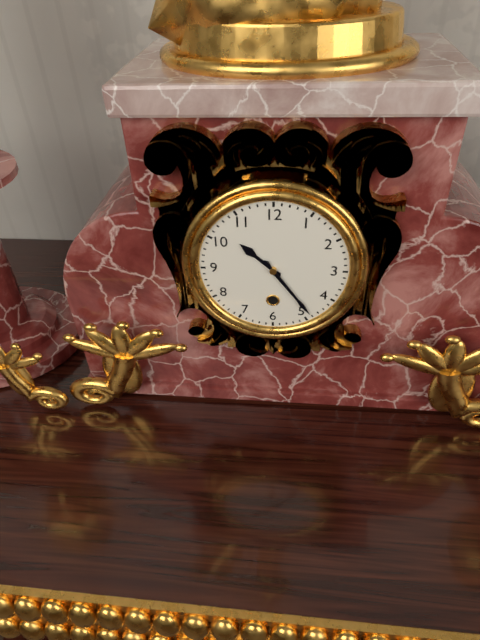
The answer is 10 h 24 min
